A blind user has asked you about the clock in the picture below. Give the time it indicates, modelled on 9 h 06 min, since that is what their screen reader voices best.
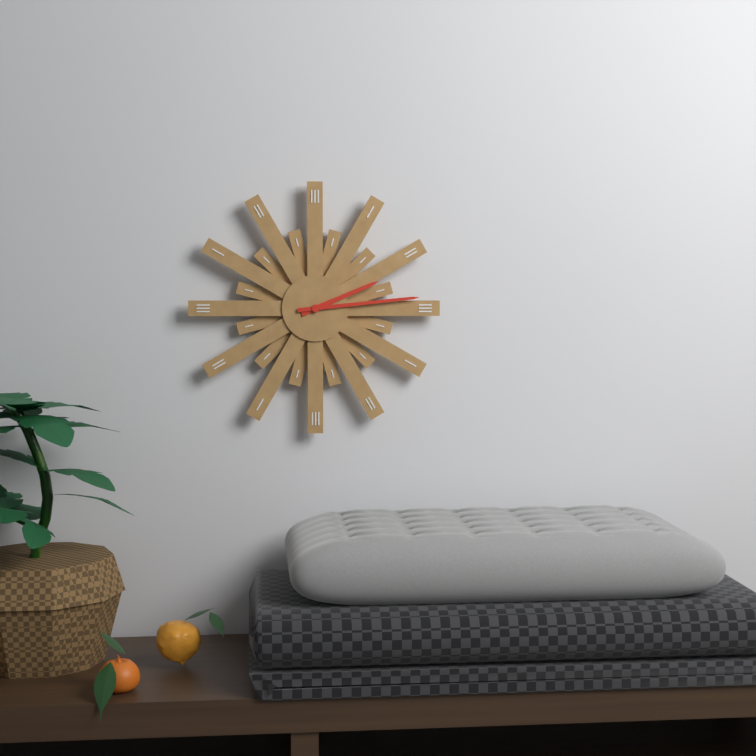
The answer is 2 h 14 min
